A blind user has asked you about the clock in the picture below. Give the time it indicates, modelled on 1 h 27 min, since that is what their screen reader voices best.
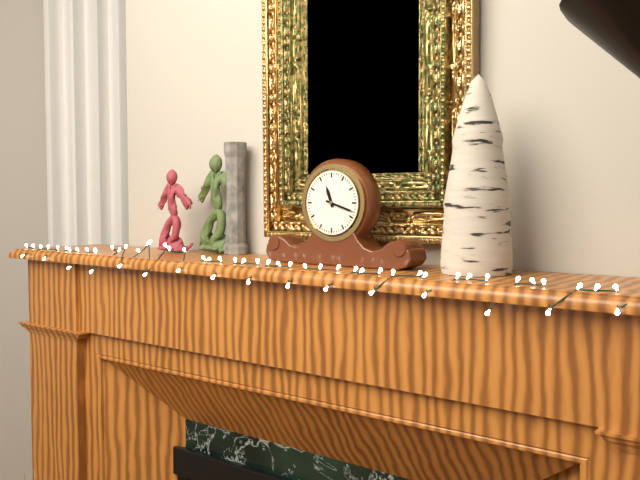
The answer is 11 h 18 min
